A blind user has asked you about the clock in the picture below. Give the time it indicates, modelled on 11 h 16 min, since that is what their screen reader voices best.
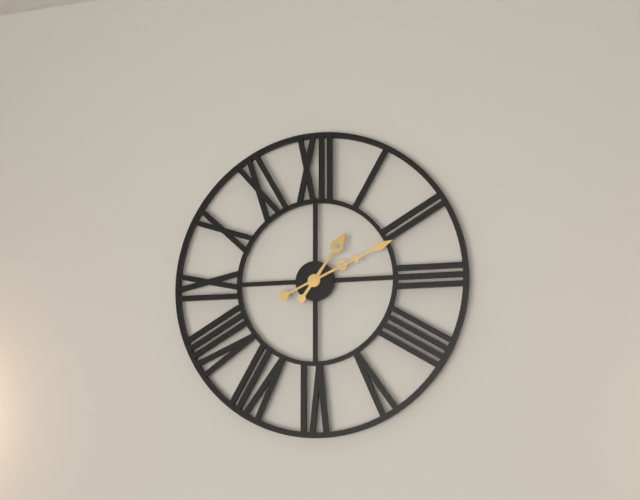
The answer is 1 h 11 min
